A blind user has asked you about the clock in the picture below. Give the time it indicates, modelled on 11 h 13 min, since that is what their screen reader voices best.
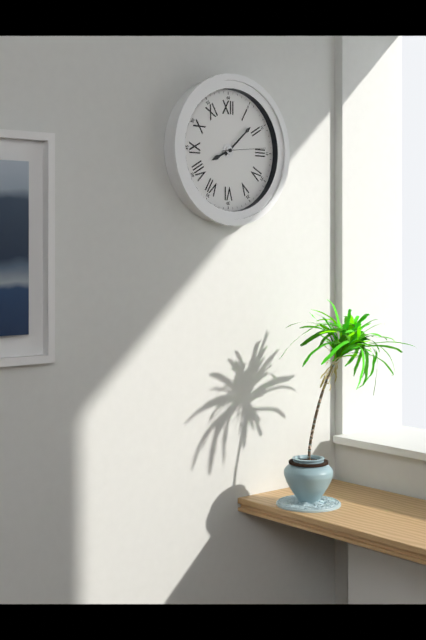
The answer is 8 h 08 min
